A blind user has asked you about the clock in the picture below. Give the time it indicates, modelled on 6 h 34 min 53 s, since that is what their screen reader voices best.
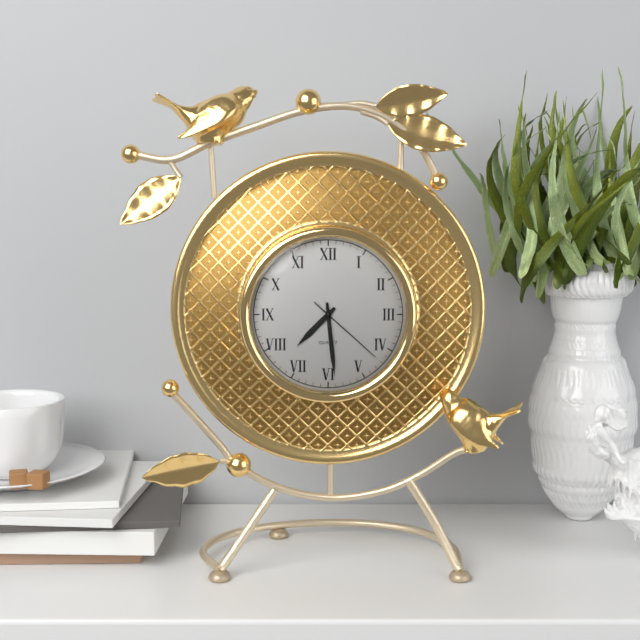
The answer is 7 h 29 min 22 s
